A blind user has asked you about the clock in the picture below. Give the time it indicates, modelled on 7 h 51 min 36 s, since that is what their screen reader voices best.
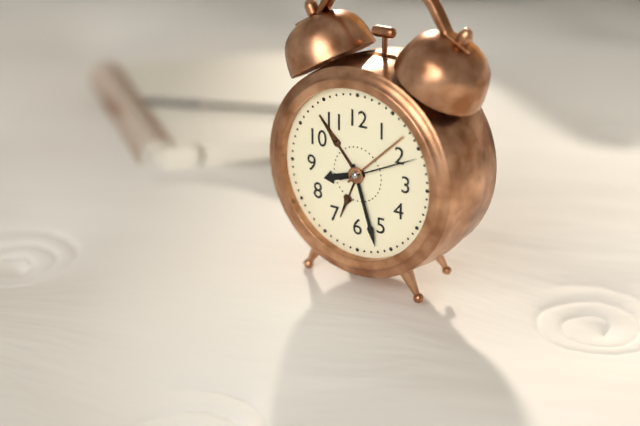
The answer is 8 h 27 min 11 s
